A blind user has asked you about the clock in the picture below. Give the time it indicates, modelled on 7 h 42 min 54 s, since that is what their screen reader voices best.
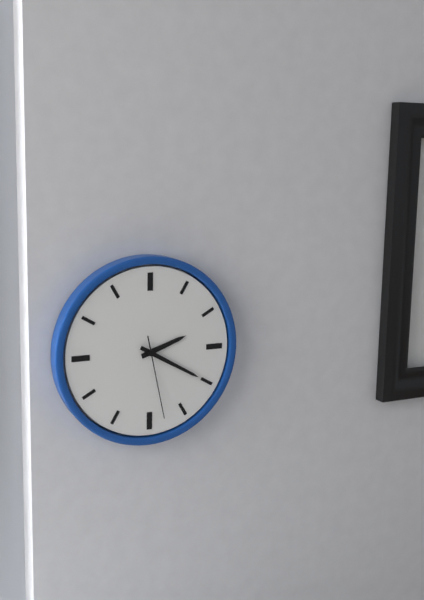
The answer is 2 h 20 min 28 s
